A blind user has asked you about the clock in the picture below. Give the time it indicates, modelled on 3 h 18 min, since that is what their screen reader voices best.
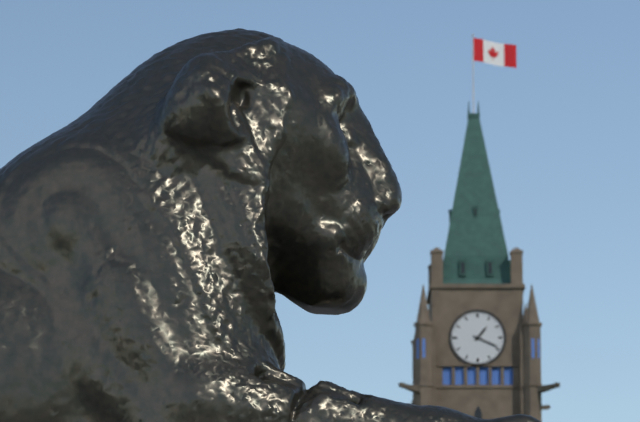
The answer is 1 h 19 min
